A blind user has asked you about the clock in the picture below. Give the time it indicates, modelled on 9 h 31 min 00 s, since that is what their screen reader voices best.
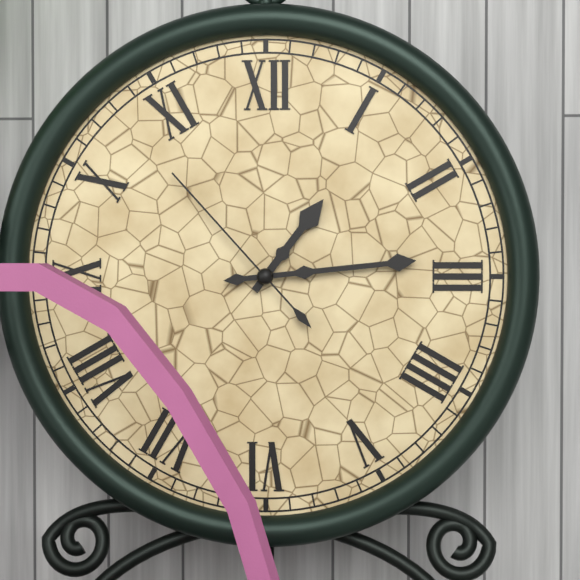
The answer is 1 h 14 min 53 s
